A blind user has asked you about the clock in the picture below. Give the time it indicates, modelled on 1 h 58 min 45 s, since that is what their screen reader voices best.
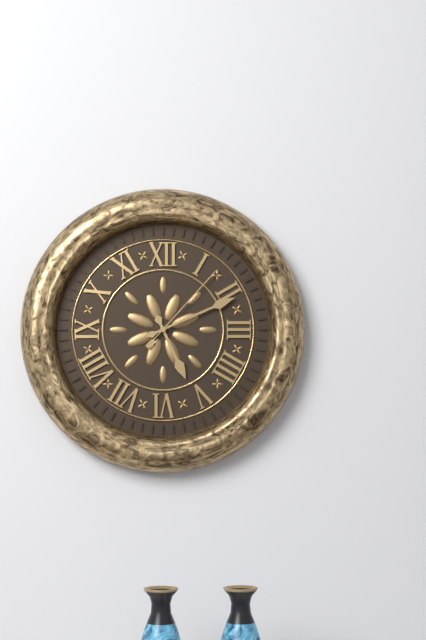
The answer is 5 h 11 min 07 s
